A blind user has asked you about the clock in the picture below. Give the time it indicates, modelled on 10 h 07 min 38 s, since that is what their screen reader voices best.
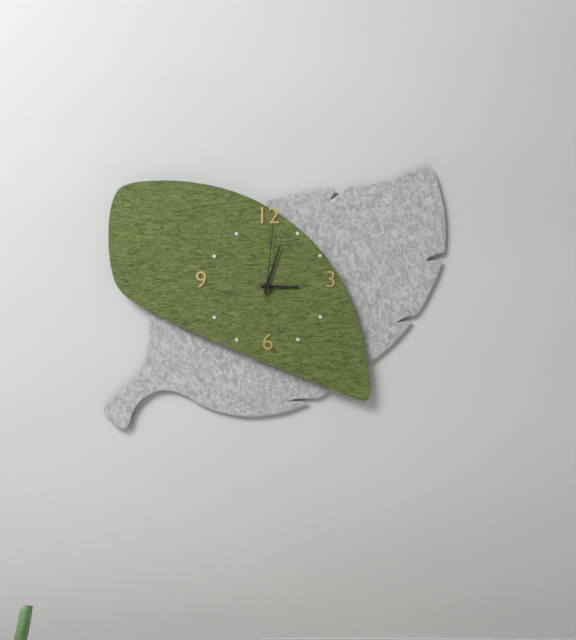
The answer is 3 h 03 min 01 s
